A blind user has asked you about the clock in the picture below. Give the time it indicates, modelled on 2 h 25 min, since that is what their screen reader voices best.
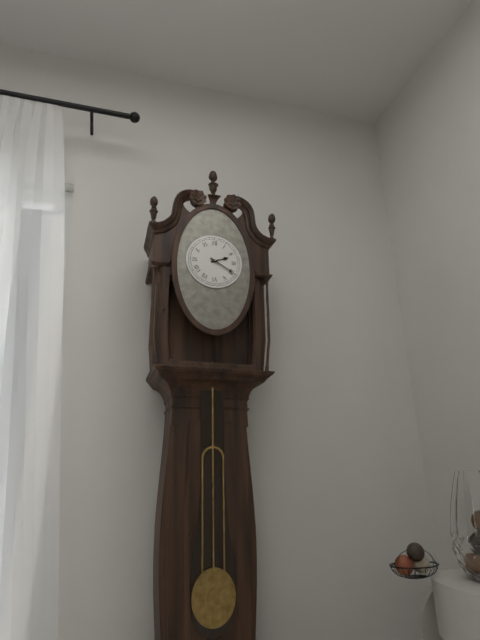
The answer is 2 h 20 min
